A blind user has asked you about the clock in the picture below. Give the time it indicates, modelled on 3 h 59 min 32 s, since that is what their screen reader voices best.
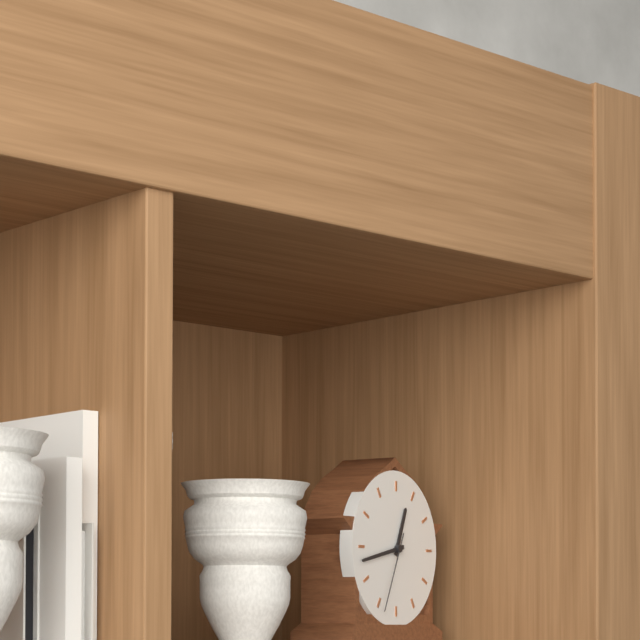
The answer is 12 h 43 min 34 s
